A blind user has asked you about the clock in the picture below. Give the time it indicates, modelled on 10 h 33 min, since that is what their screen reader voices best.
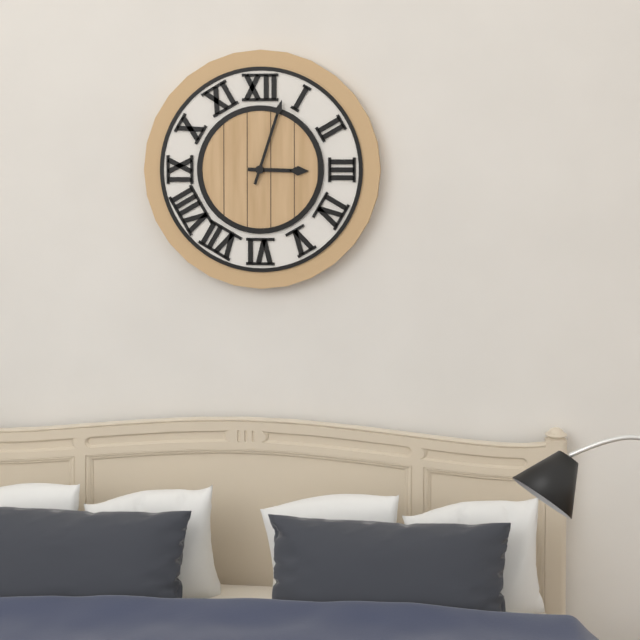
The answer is 3 h 03 min
